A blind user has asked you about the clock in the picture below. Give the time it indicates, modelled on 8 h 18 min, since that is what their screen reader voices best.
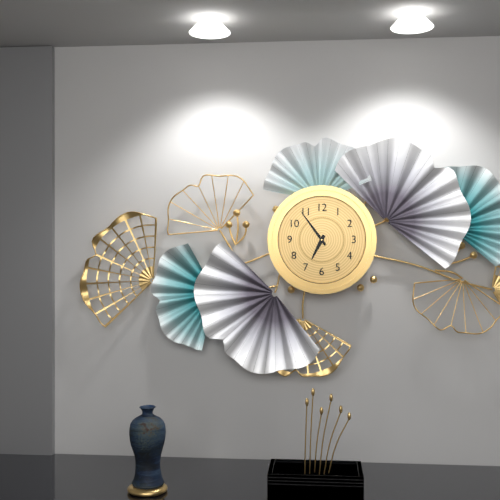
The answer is 6 h 54 min
